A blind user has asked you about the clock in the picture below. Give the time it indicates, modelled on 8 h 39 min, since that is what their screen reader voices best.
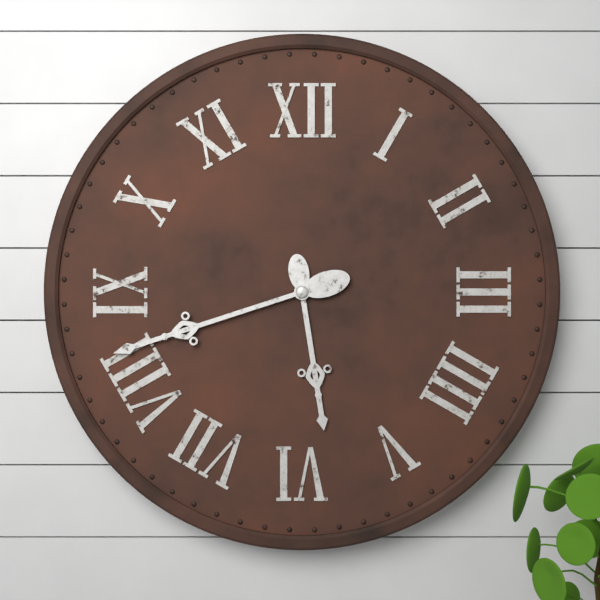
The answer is 5 h 42 min
